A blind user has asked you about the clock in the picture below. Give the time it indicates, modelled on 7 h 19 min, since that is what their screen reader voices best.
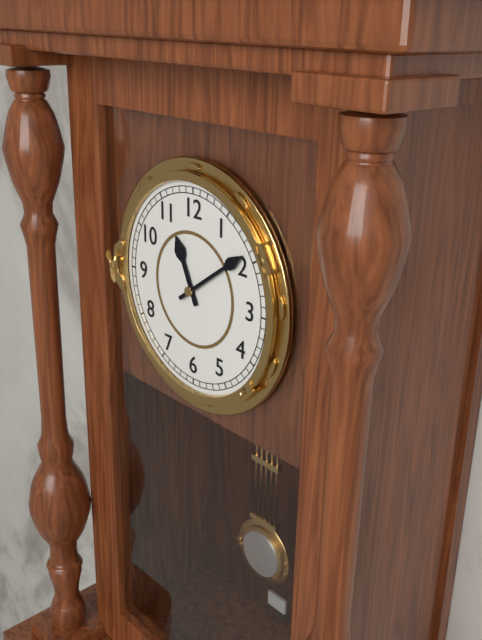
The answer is 11 h 09 min
